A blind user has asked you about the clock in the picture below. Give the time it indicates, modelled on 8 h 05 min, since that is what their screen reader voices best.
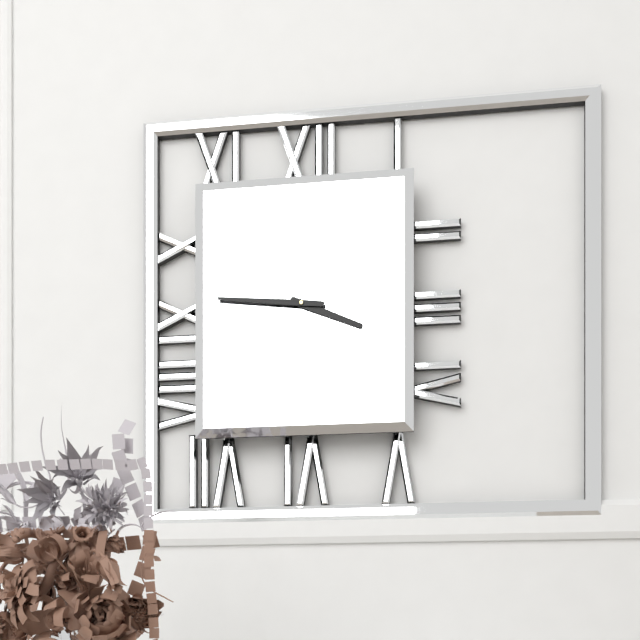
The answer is 3 h 46 min
